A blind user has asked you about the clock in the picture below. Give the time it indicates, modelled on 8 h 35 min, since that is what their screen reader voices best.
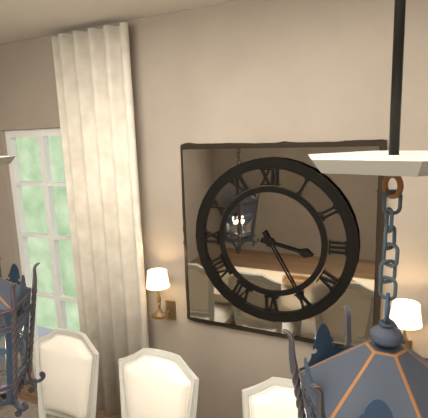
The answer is 3 h 25 min
